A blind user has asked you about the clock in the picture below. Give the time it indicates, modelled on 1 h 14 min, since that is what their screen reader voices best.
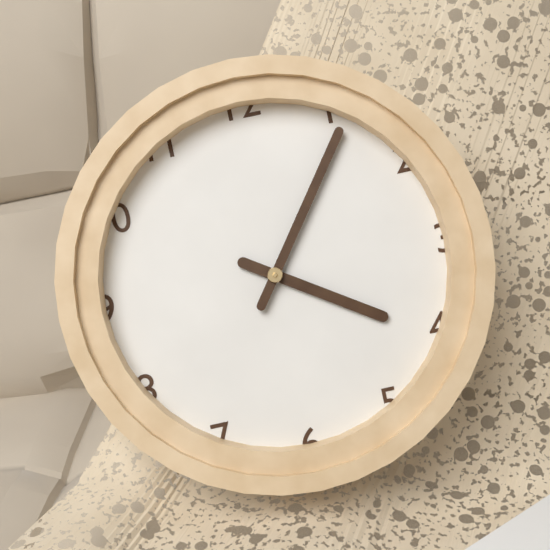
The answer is 4 h 06 min
